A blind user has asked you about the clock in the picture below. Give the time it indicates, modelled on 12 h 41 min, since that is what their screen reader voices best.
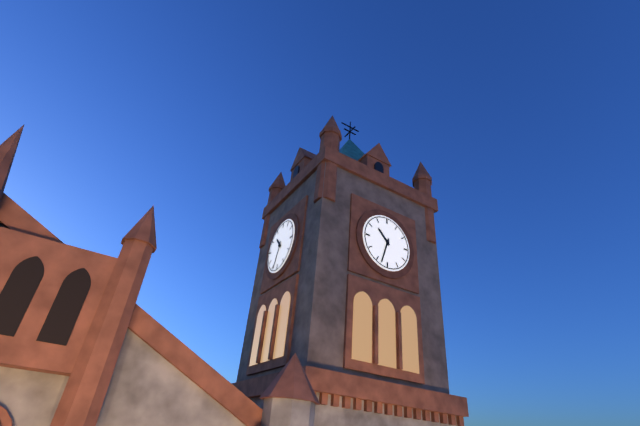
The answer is 10 h 33 min
